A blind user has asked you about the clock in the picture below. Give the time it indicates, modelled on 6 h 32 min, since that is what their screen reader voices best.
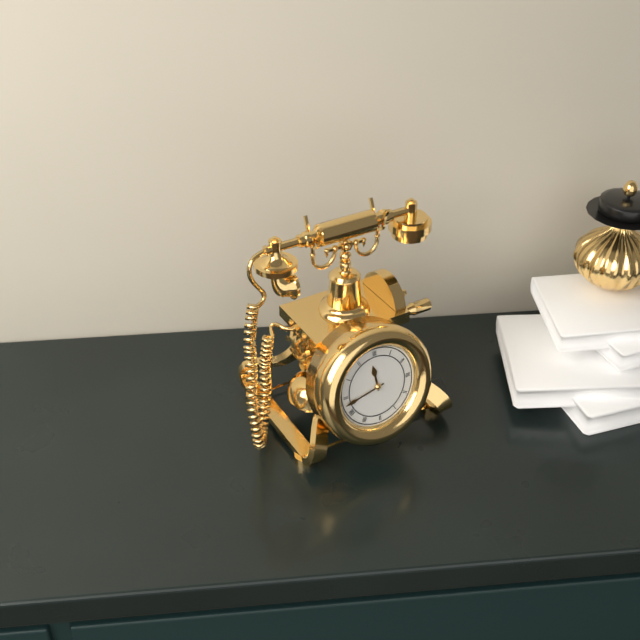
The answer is 11 h 43 min
